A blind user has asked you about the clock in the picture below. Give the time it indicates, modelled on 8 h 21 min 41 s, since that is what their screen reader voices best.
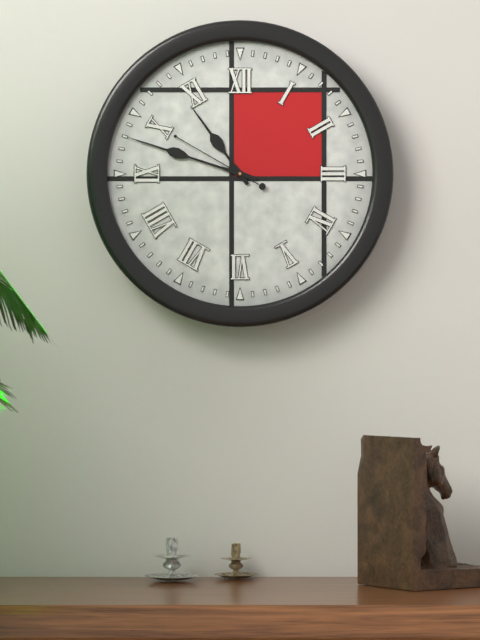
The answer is 10 h 48 min 50 s
